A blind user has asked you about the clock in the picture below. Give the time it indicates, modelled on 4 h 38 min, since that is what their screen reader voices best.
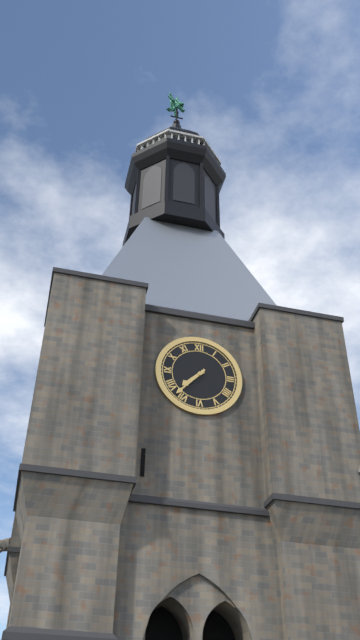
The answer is 7 h 37 min
